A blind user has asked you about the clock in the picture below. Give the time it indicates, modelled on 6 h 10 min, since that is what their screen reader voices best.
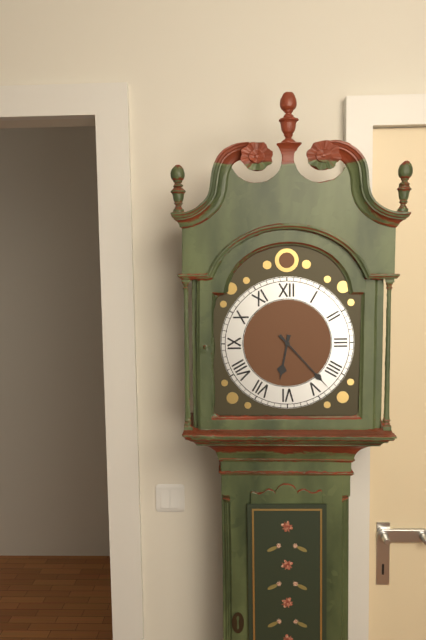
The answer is 6 h 23 min
